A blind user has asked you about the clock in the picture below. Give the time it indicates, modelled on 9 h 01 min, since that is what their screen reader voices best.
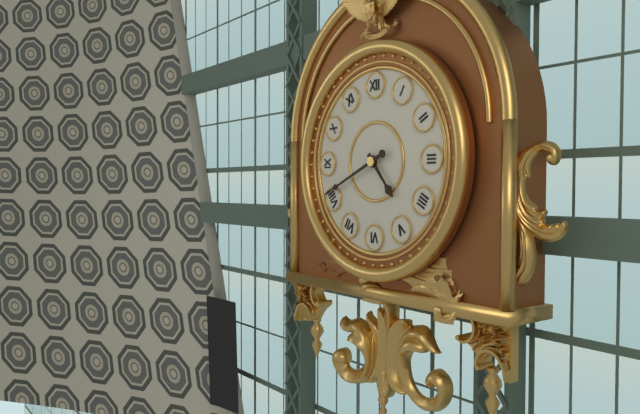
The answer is 4 h 41 min
